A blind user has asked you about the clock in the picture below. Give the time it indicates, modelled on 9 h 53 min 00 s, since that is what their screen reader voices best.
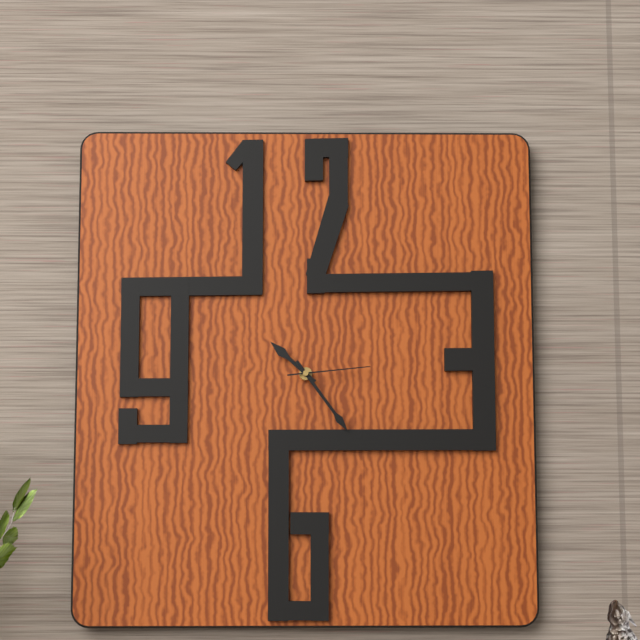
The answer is 10 h 24 min 14 s
